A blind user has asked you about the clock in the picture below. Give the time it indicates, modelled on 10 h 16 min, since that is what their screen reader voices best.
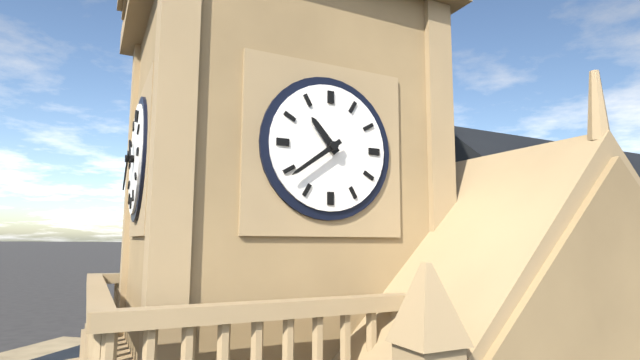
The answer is 10 h 39 min
